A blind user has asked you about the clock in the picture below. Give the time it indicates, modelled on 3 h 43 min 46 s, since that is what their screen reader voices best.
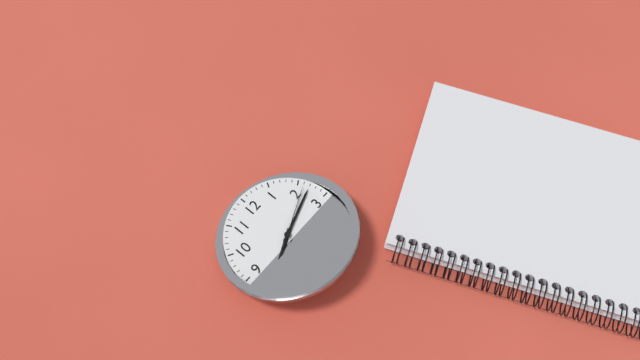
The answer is 8 h 12 min 11 s
